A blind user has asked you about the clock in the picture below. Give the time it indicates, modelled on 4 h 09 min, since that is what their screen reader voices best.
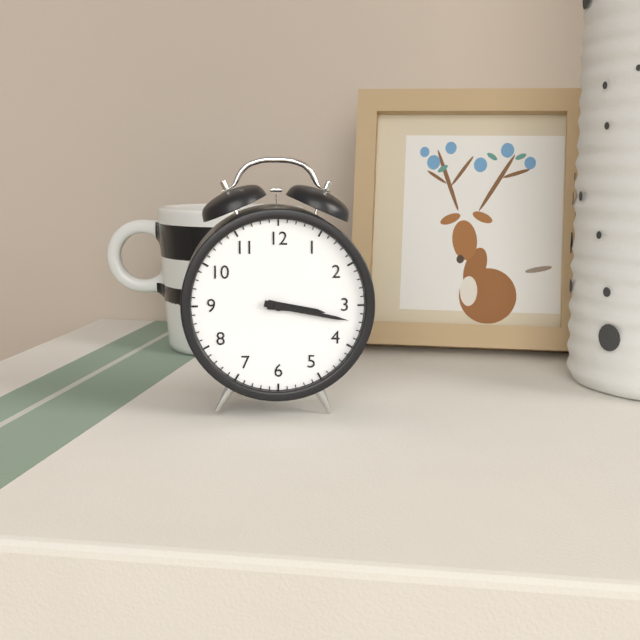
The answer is 3 h 17 min
